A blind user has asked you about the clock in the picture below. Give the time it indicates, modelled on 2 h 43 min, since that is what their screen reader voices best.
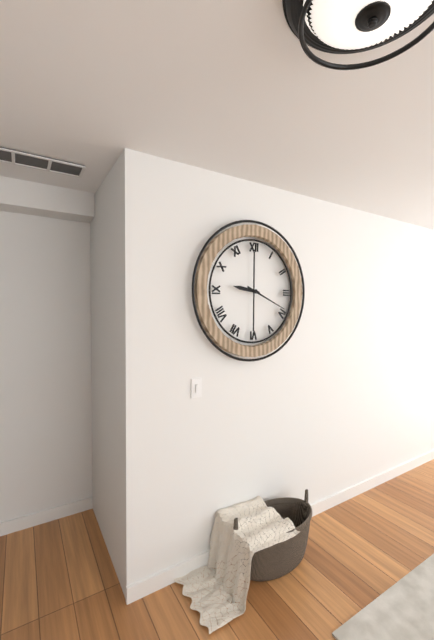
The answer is 9 h 19 min
